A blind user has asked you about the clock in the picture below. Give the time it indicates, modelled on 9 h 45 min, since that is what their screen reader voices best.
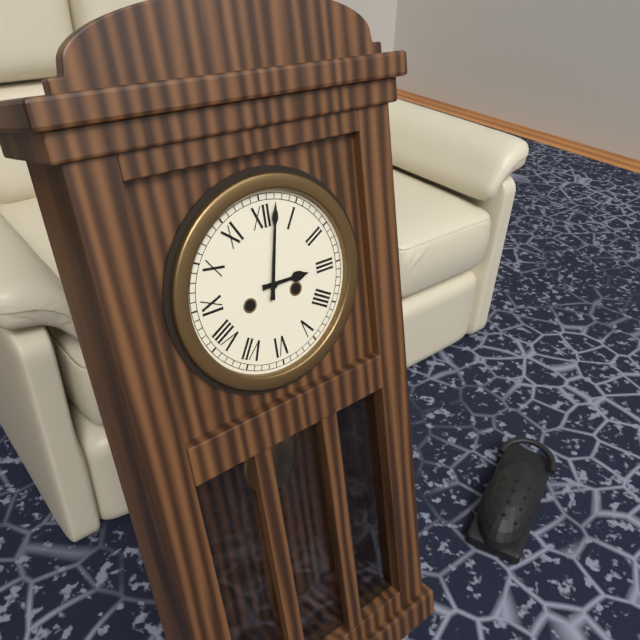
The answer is 3 h 02 min
